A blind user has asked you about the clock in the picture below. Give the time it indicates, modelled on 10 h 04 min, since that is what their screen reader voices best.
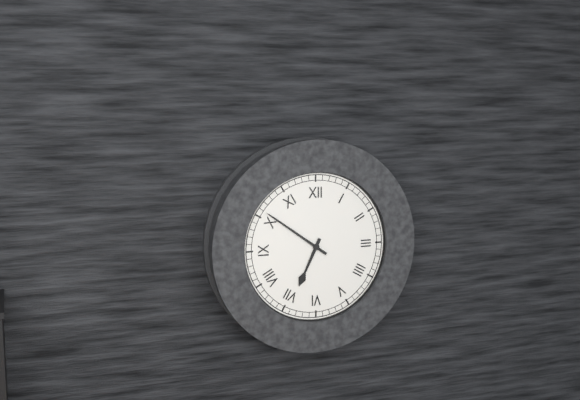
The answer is 6 h 51 min
